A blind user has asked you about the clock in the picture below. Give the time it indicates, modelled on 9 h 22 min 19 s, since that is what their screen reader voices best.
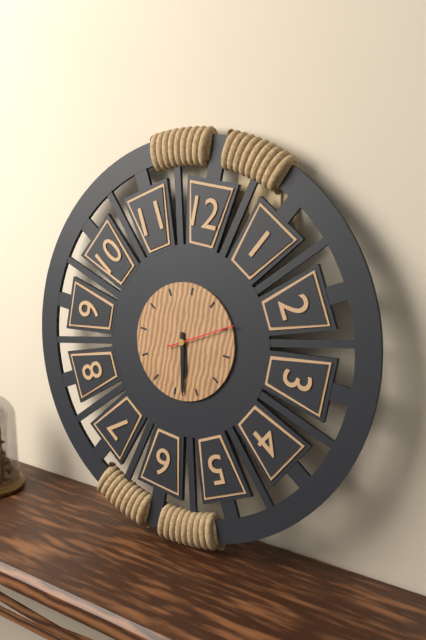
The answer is 5 h 28 min 10 s
